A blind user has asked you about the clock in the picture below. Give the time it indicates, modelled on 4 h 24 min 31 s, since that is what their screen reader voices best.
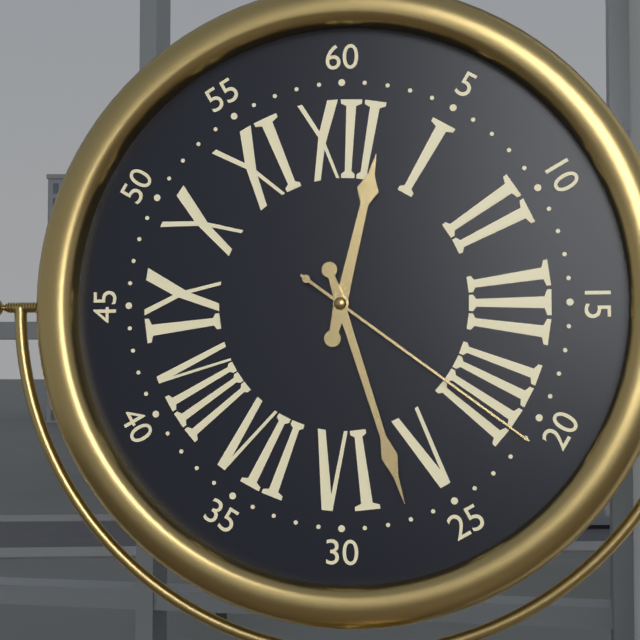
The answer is 12 h 27 min 21 s
